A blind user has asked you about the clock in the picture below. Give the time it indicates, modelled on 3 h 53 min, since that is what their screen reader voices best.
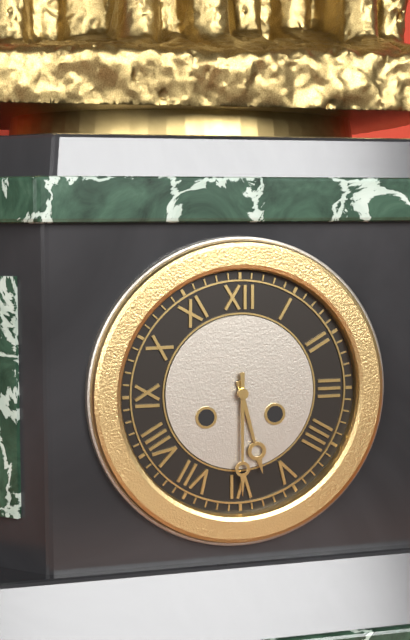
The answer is 5 h 30 min
